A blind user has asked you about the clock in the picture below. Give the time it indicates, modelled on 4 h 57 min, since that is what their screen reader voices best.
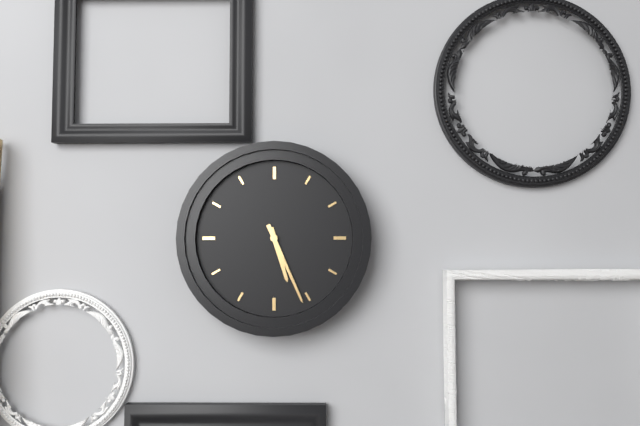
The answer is 5 h 26 min
